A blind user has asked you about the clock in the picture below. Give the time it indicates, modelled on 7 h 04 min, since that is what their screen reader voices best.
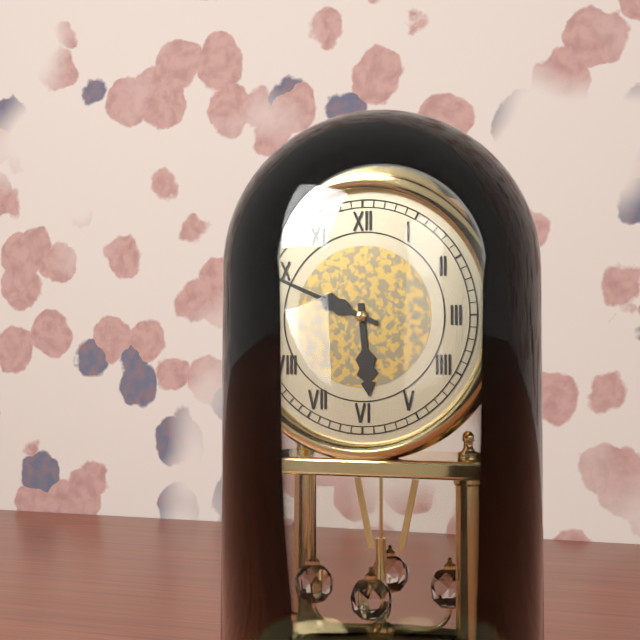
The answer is 5 h 49 min
